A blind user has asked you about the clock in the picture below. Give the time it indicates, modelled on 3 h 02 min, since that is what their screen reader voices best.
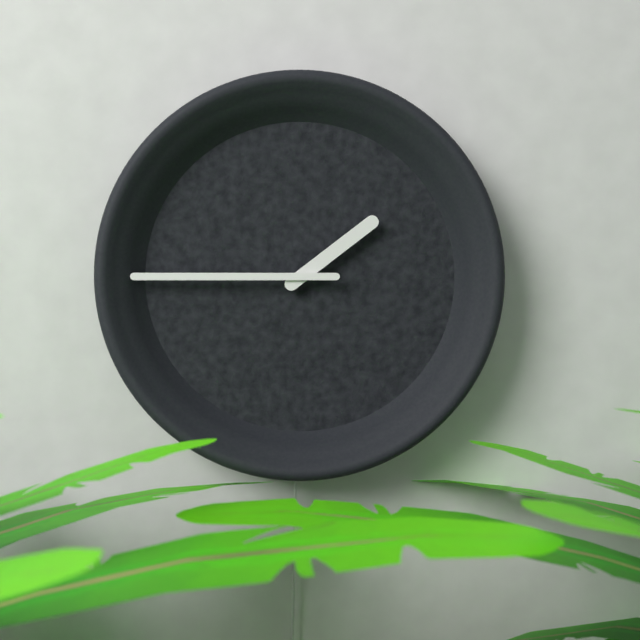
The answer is 1 h 45 min
